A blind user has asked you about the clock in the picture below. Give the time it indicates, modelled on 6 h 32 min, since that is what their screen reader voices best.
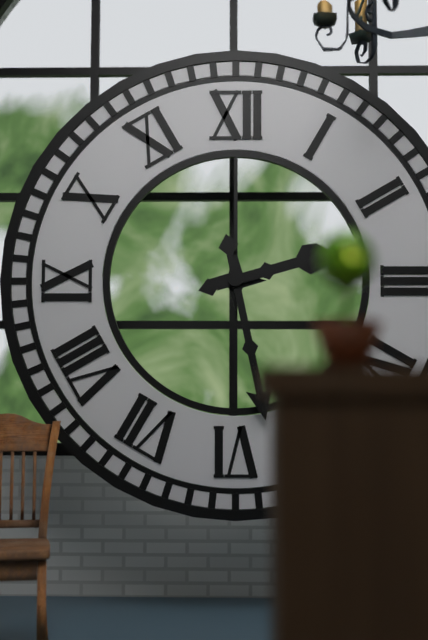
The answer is 2 h 28 min
